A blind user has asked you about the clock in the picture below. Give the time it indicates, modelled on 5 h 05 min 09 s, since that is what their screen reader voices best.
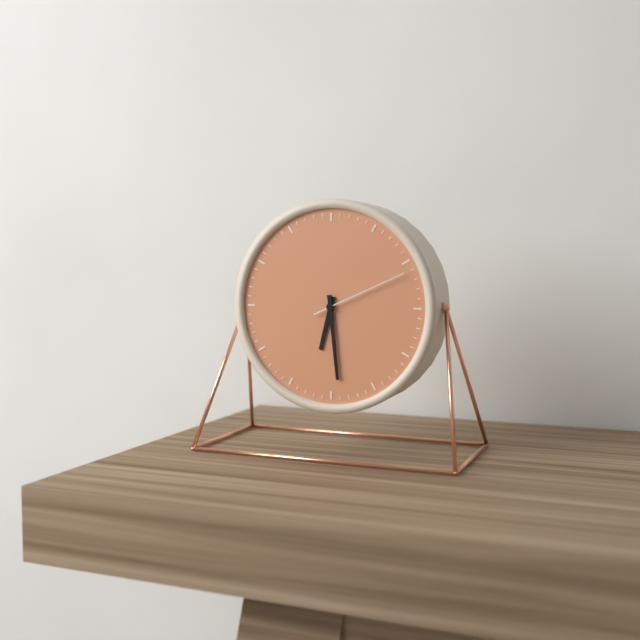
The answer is 6 h 29 min 11 s
